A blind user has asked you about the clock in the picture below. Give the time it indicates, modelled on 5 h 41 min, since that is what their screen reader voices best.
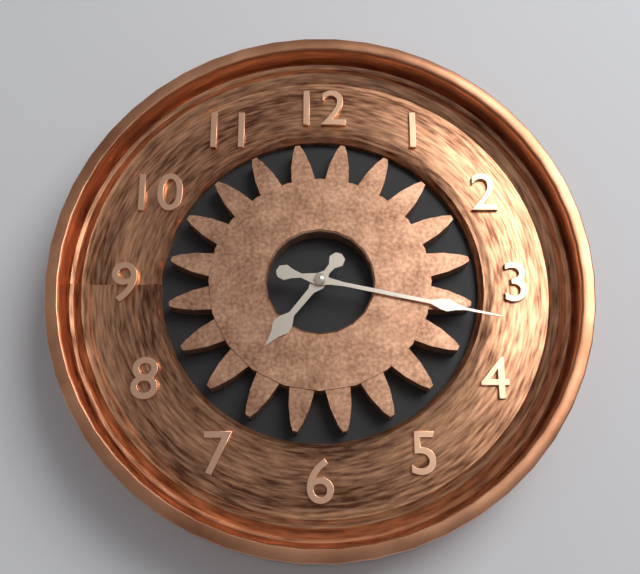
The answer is 7 h 17 min
